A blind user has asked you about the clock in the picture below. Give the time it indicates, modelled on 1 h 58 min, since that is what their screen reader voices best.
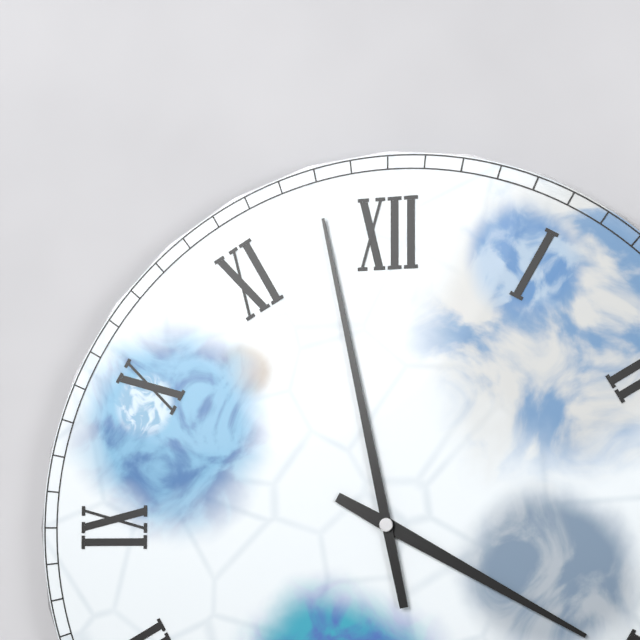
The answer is 3 h 58 min
